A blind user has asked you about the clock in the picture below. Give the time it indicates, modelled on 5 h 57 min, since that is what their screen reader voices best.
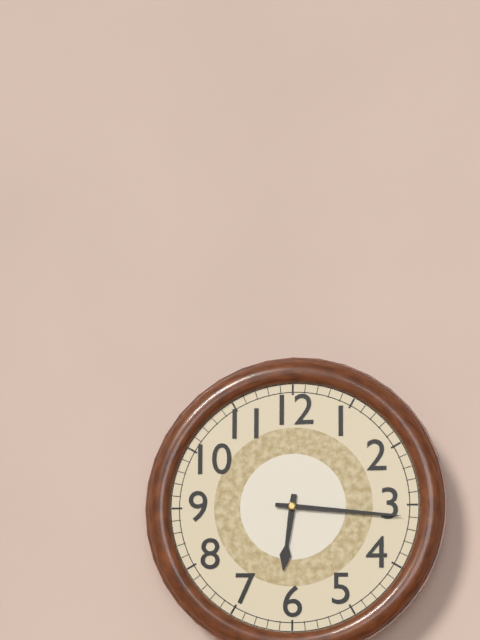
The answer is 6 h 16 min
